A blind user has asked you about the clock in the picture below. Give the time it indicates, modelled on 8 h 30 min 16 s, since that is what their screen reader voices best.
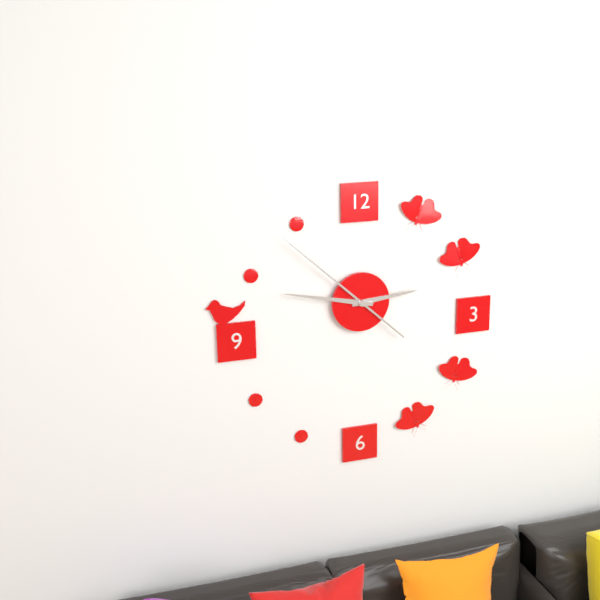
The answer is 2 h 47 min 52 s
